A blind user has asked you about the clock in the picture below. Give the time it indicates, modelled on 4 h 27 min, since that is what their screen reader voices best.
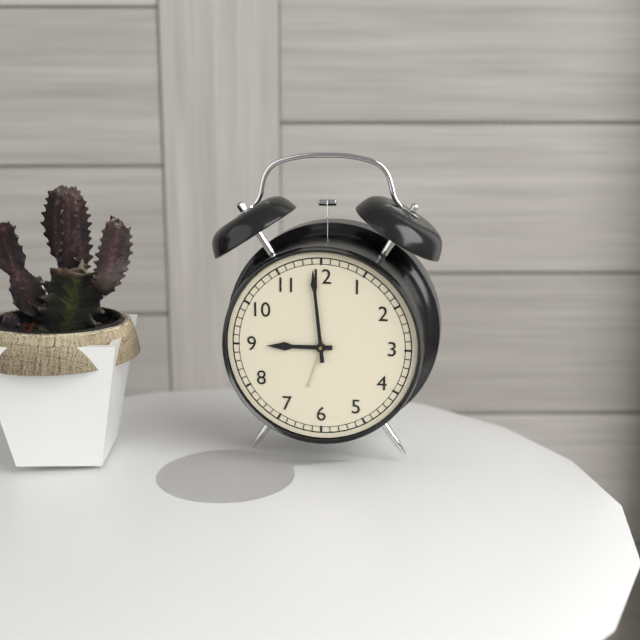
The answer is 8 h 59 min
